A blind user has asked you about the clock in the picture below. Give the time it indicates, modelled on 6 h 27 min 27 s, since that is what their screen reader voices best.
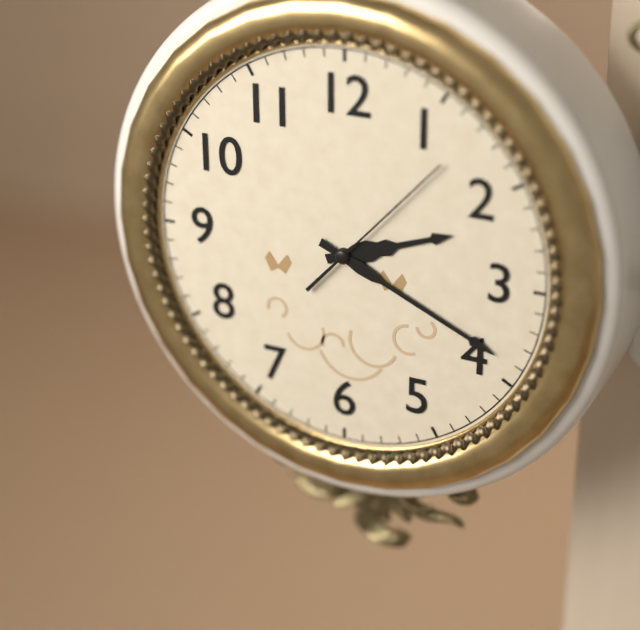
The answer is 2 h 19 min 07 s
